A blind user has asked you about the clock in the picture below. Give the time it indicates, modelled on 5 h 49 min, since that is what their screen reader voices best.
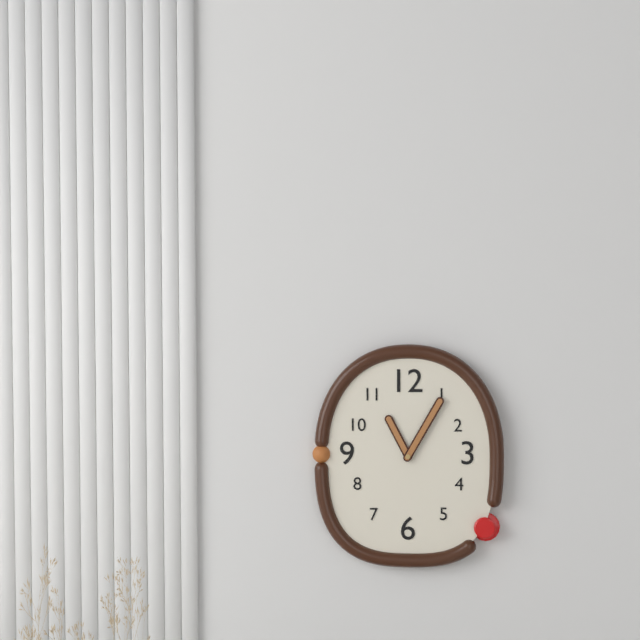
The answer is 11 h 05 min
